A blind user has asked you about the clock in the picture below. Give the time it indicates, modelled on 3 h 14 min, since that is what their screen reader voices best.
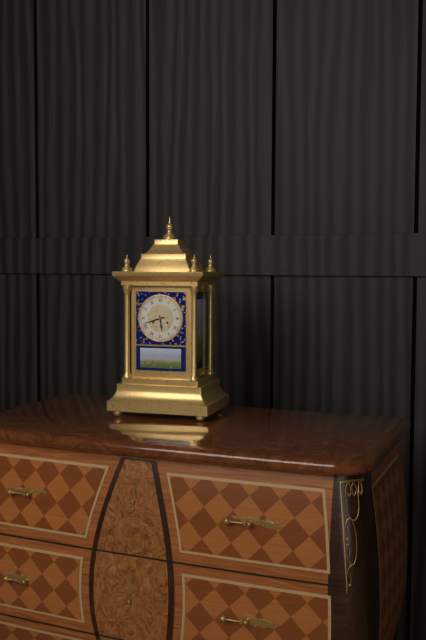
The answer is 5 h 42 min
